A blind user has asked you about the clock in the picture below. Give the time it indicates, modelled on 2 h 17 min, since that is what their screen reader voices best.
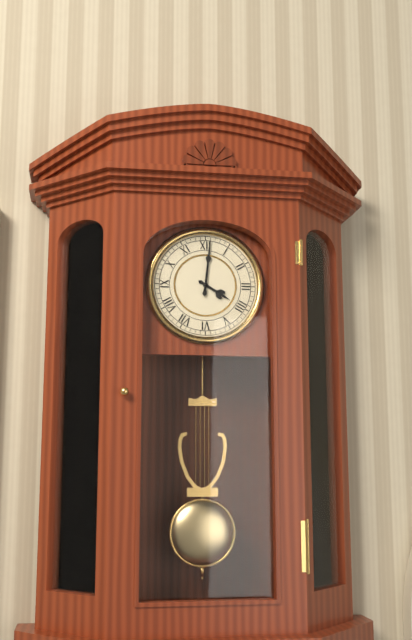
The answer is 4 h 01 min
